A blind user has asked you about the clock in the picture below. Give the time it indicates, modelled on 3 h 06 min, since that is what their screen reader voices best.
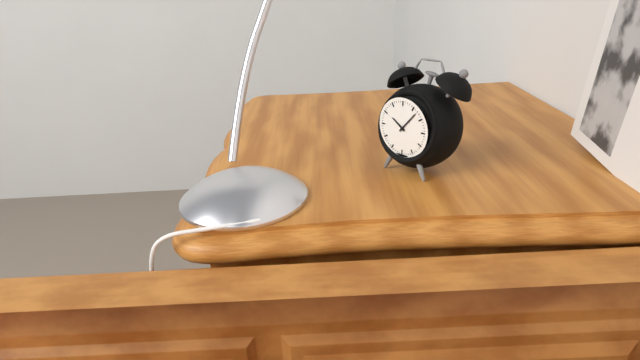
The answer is 10 h 07 min
